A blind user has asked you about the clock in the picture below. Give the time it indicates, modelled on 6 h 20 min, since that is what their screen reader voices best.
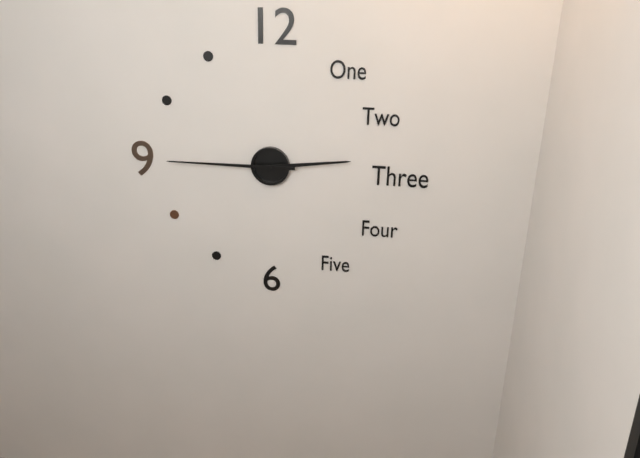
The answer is 2 h 45 min
